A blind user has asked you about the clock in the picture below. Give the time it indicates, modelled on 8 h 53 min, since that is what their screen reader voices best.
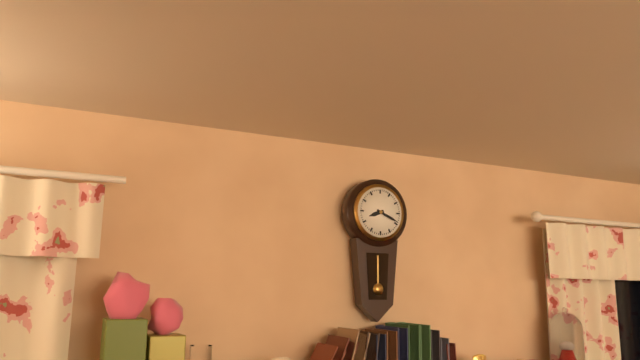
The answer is 8 h 19 min
